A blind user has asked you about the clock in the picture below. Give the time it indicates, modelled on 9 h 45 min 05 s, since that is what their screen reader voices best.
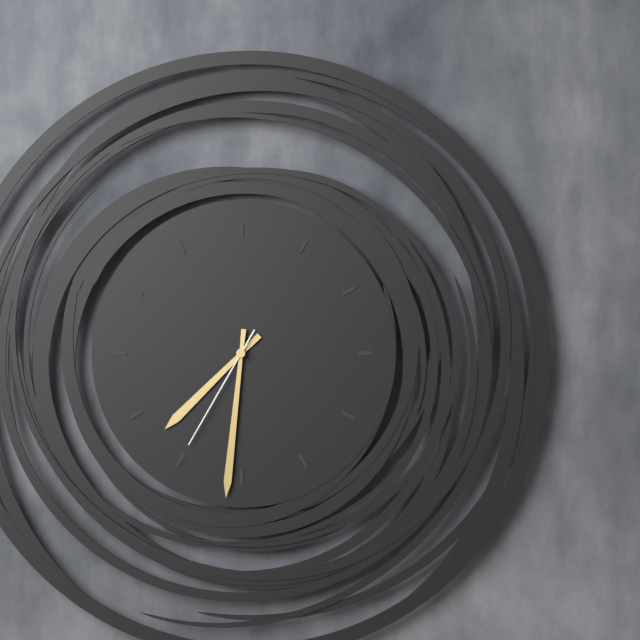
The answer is 7 h 31 min 35 s
